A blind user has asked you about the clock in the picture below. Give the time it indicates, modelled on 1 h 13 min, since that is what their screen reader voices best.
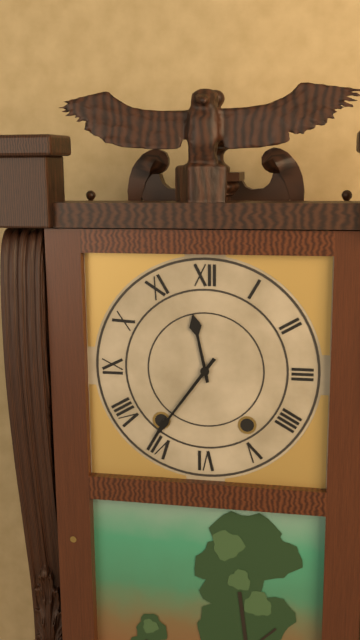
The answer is 11 h 36 min
